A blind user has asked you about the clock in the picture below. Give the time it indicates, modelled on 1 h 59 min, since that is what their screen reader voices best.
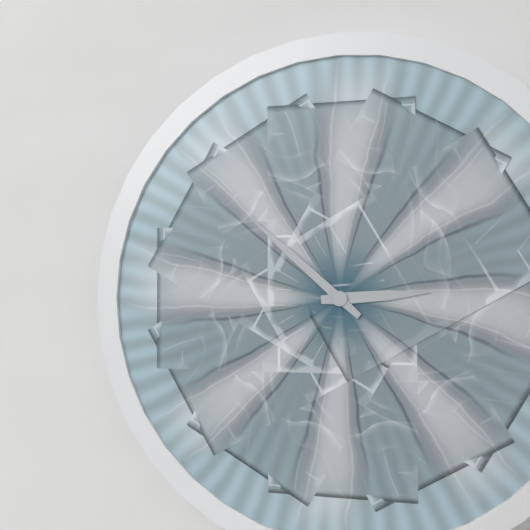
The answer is 2 h 52 min
